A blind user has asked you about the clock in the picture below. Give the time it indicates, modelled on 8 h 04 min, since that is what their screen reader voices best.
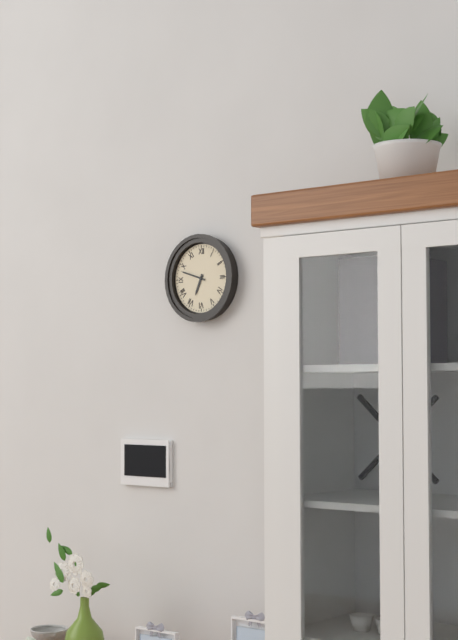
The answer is 6 h 48 min
